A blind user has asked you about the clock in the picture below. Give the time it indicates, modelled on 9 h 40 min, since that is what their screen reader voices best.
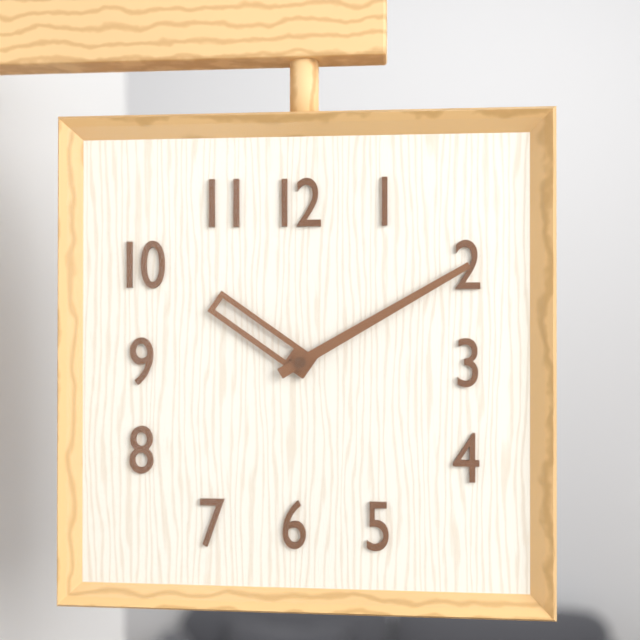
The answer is 10 h 10 min
